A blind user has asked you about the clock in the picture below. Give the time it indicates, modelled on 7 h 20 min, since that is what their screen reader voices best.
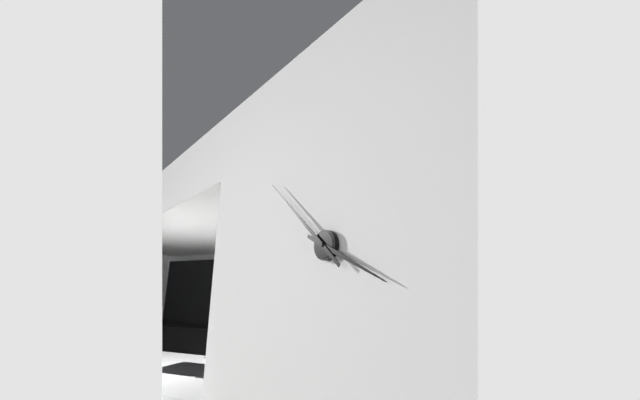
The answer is 3 h 52 min
